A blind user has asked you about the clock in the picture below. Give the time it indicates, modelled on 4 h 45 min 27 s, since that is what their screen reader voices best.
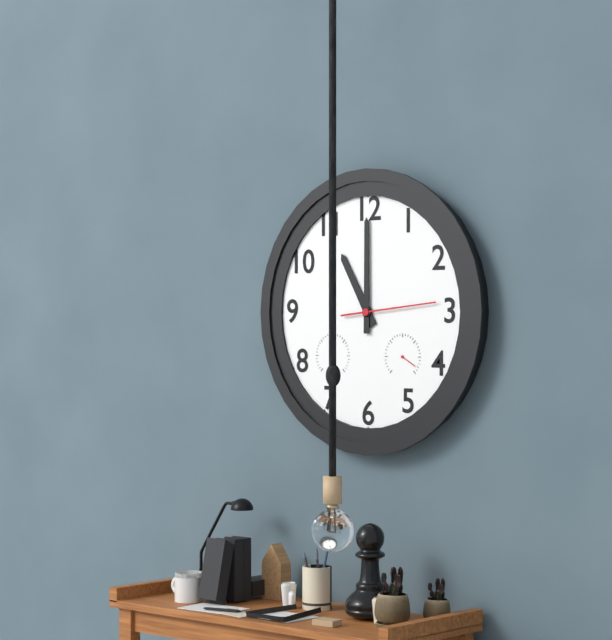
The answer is 11 h 00 min 14 s
